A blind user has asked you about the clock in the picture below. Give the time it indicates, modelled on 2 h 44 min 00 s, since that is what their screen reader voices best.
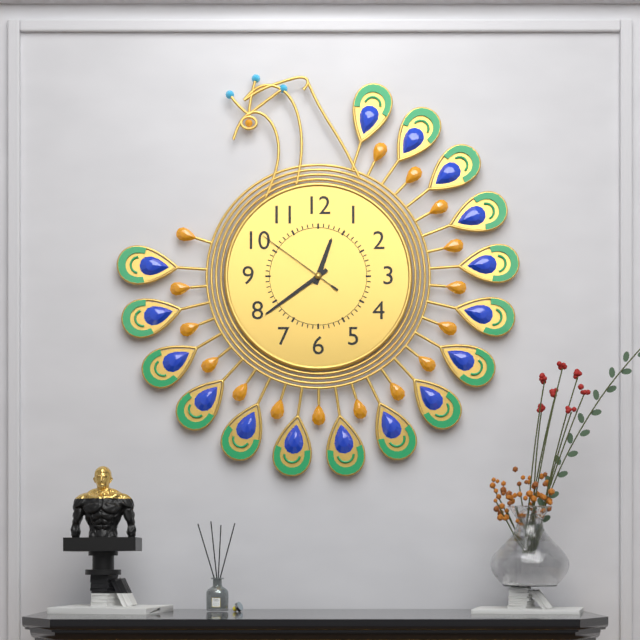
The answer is 12 h 39 min 51 s
